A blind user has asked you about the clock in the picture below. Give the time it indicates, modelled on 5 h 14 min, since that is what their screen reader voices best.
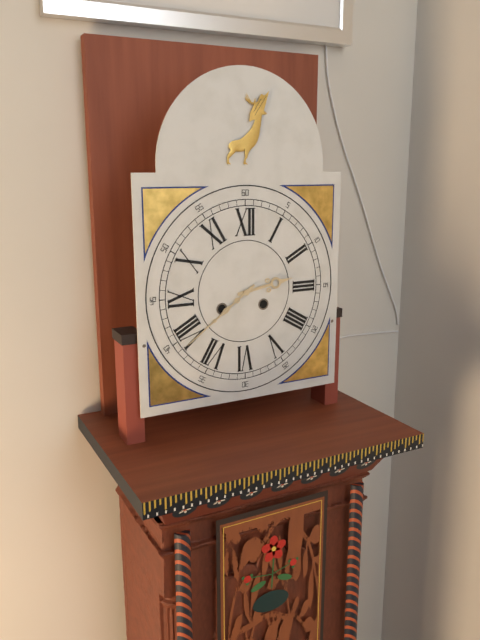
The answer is 2 h 39 min
